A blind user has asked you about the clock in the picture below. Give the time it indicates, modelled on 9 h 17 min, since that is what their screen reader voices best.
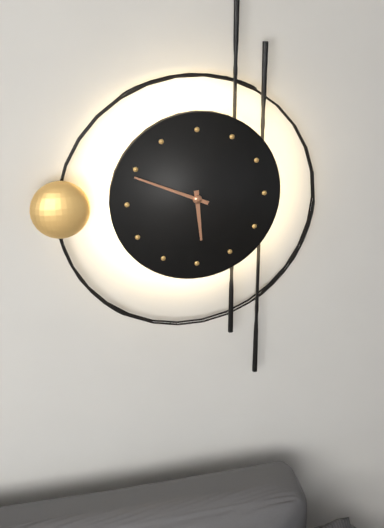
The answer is 5 h 49 min
